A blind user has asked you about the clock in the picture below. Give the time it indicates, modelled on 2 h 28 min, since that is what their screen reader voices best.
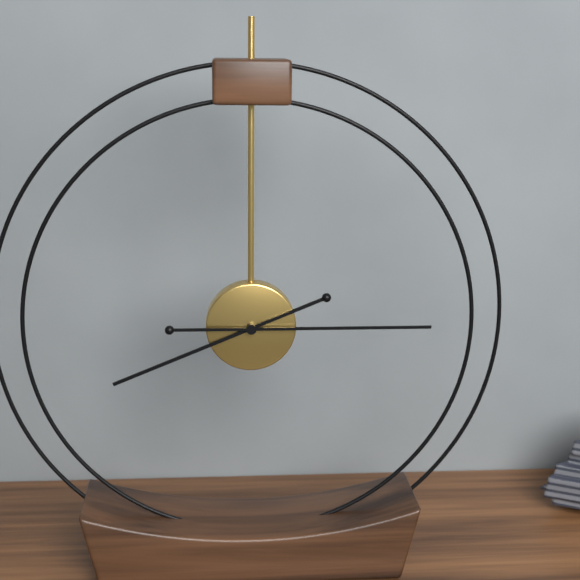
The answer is 8 h 15 min
